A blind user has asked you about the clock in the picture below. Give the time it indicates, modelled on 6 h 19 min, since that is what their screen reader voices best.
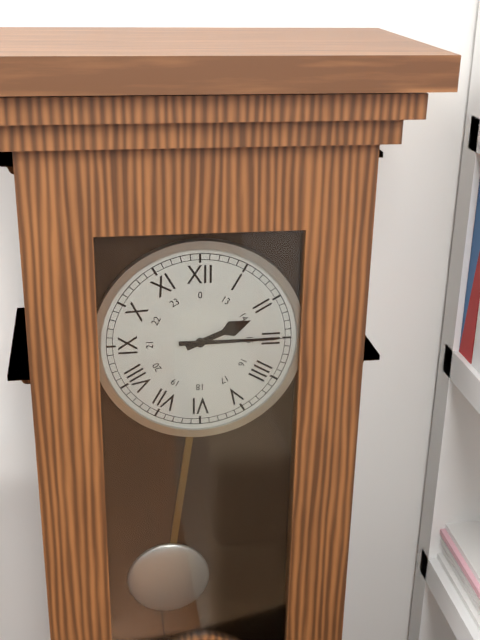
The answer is 2 h 15 min
